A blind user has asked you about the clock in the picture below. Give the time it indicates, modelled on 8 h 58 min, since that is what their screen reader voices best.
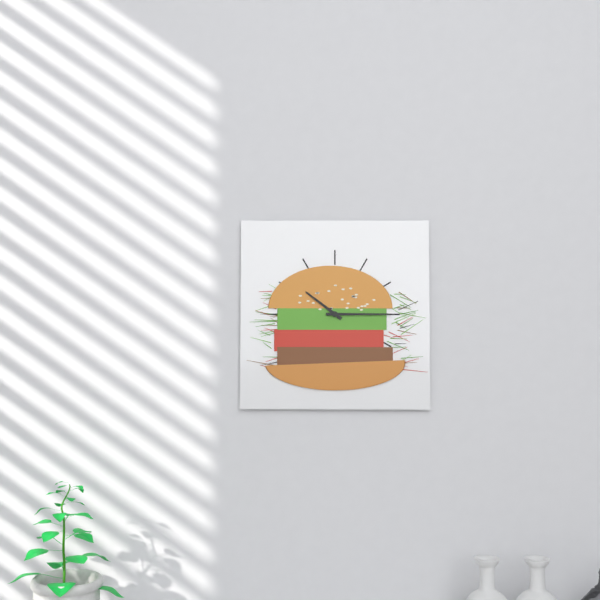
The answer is 10 h 15 min
